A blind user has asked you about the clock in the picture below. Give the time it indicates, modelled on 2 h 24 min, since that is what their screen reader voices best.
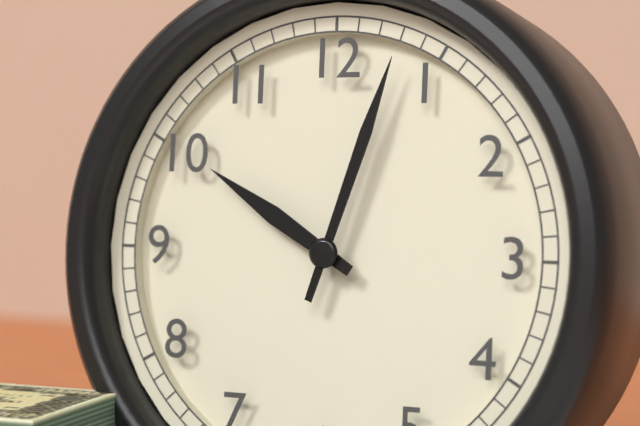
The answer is 10 h 03 min
